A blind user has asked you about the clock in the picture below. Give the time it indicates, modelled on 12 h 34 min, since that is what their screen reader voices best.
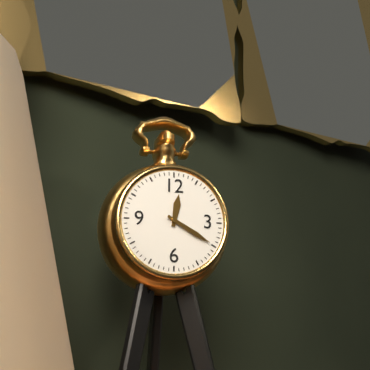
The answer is 12 h 20 min
